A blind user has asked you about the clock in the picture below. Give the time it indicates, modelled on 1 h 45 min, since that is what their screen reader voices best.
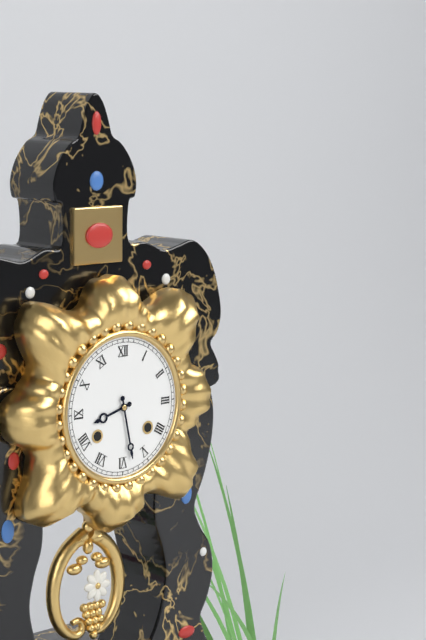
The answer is 8 h 28 min
